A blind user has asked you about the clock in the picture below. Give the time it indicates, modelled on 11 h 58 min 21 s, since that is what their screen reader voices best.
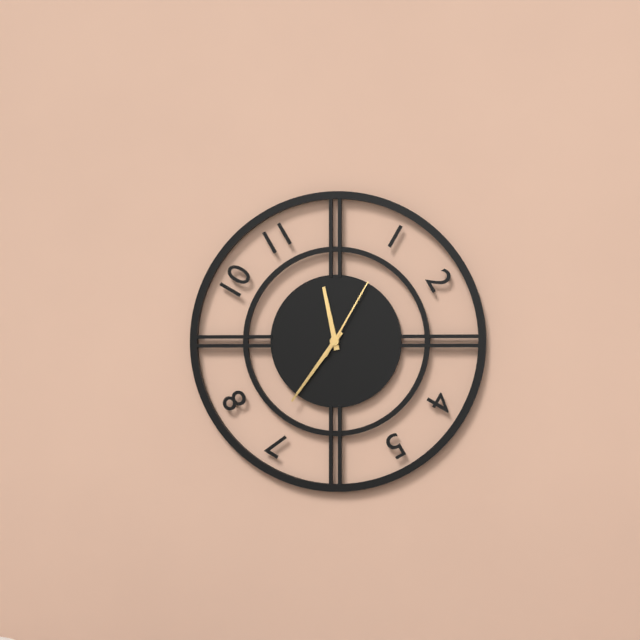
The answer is 11 h 36 min 05 s
